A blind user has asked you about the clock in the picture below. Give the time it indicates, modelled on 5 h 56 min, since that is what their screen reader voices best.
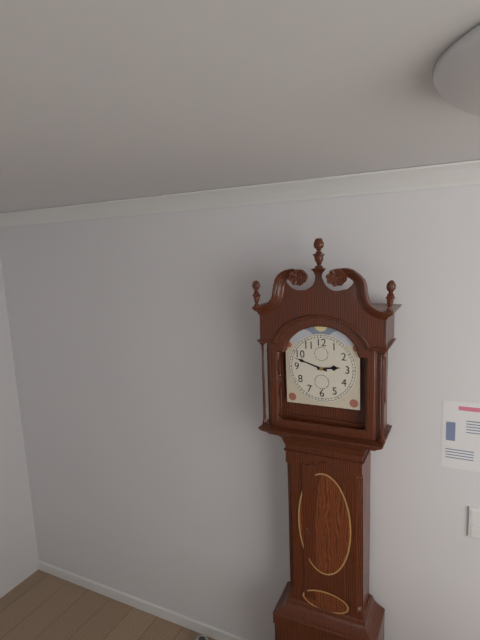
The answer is 2 h 48 min
